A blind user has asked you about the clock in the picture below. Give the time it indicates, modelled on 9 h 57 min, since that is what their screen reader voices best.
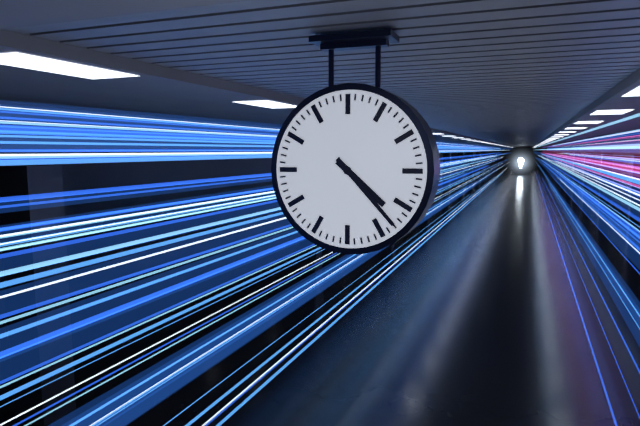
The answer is 4 h 23 min
